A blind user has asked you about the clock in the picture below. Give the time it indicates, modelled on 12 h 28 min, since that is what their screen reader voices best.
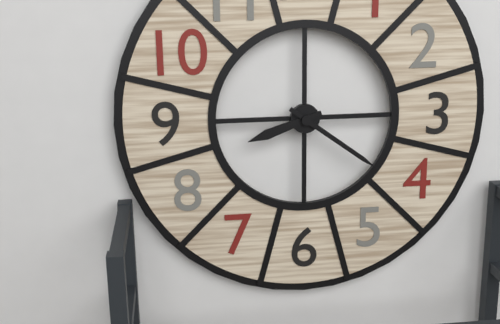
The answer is 8 h 21 min
